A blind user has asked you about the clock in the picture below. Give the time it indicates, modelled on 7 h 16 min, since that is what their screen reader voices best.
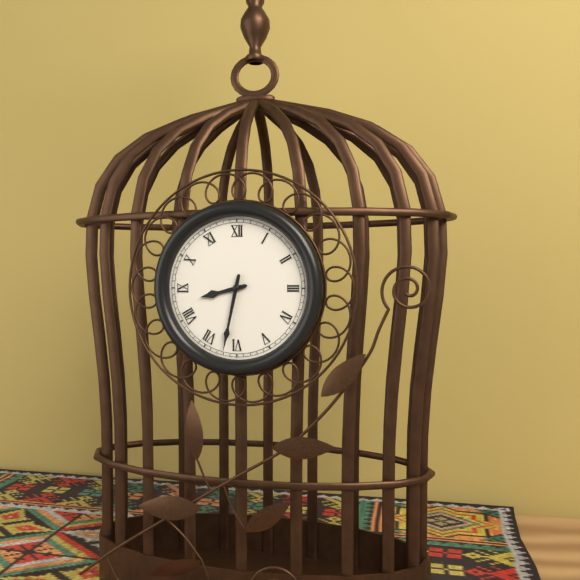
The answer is 8 h 32 min
